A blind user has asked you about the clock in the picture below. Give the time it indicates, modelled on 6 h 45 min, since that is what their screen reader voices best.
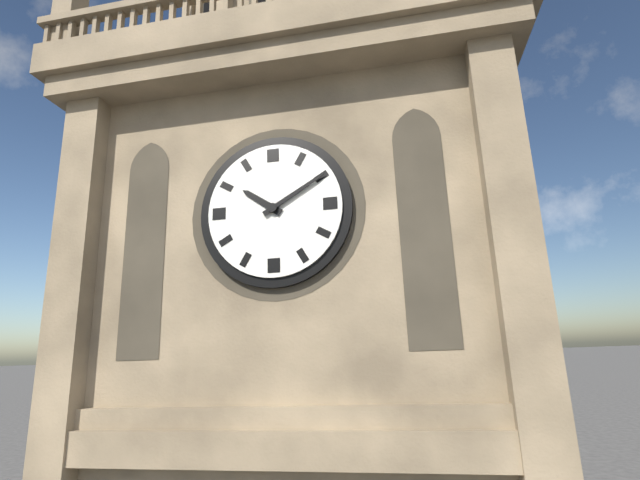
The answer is 10 h 10 min
